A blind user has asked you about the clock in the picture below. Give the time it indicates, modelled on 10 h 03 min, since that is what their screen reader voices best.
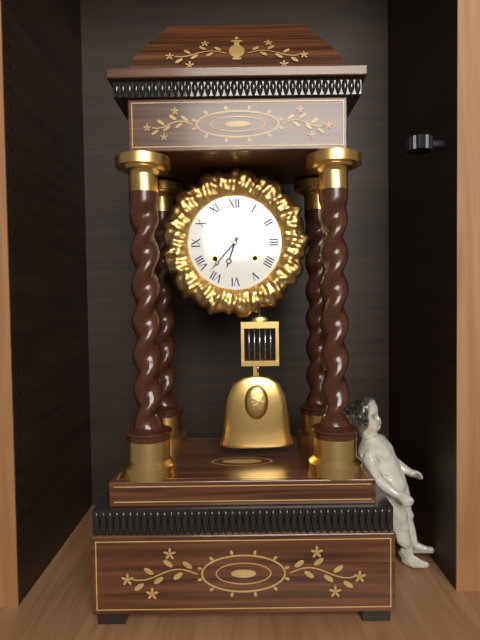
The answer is 6 h 37 min
